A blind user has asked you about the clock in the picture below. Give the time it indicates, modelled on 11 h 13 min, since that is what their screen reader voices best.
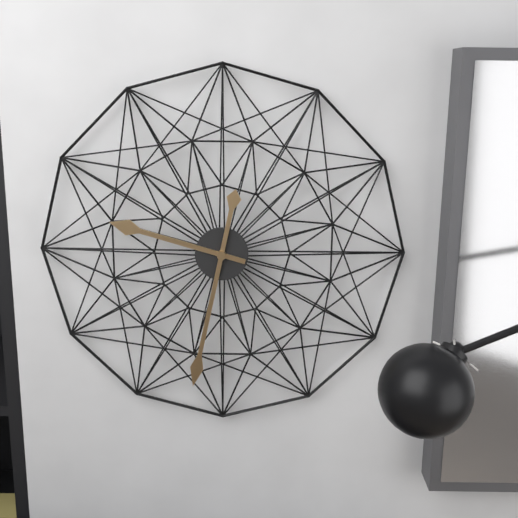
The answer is 9 h 32 min
